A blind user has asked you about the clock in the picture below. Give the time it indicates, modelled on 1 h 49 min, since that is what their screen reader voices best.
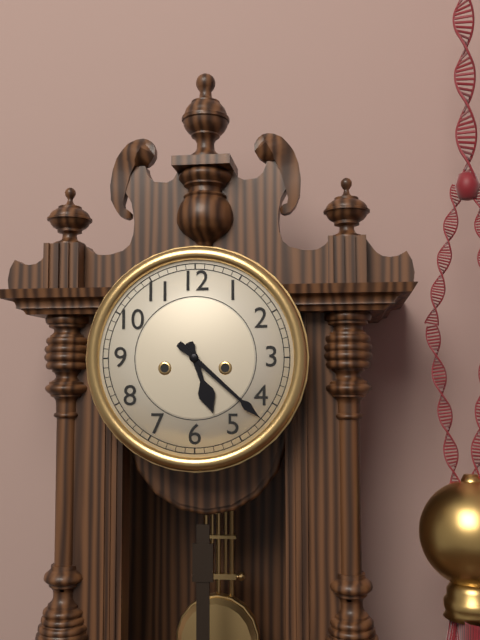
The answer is 5 h 22 min
